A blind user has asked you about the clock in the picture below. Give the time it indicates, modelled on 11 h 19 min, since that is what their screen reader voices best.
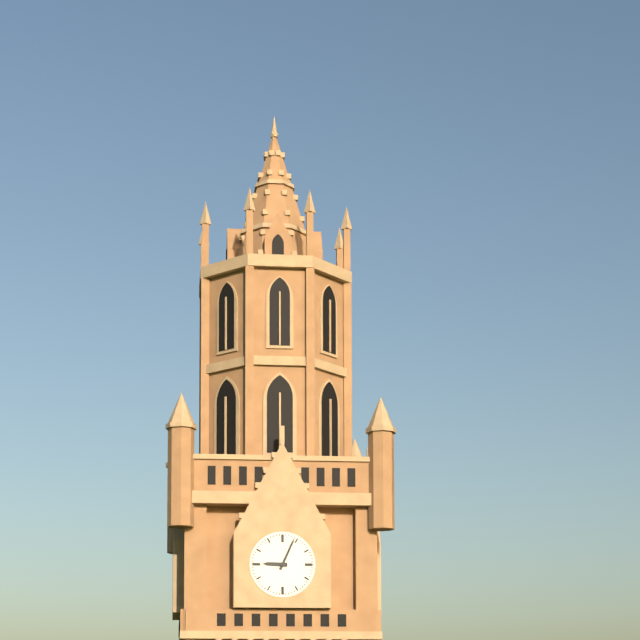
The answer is 9 h 04 min
